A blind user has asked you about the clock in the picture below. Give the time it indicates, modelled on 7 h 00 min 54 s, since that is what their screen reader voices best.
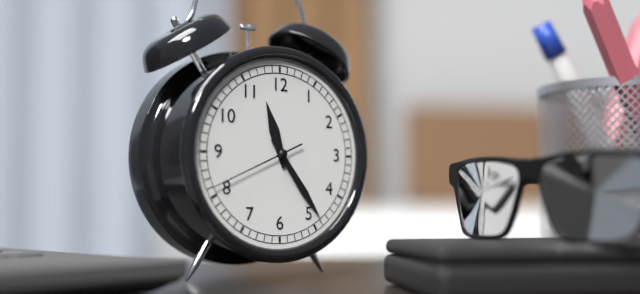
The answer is 11 h 24 min 41 s
